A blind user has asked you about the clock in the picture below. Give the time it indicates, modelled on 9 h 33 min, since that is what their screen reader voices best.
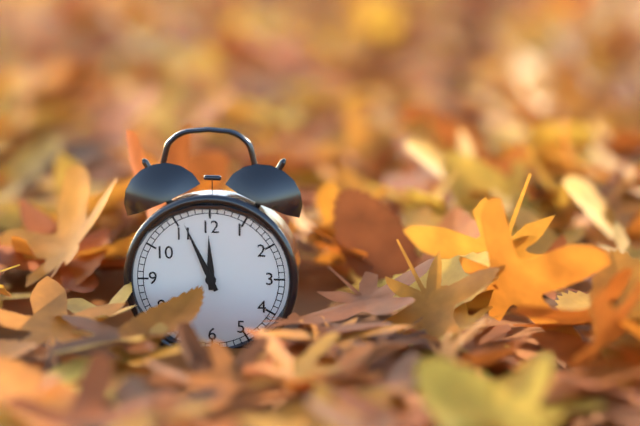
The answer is 11 h 56 min
